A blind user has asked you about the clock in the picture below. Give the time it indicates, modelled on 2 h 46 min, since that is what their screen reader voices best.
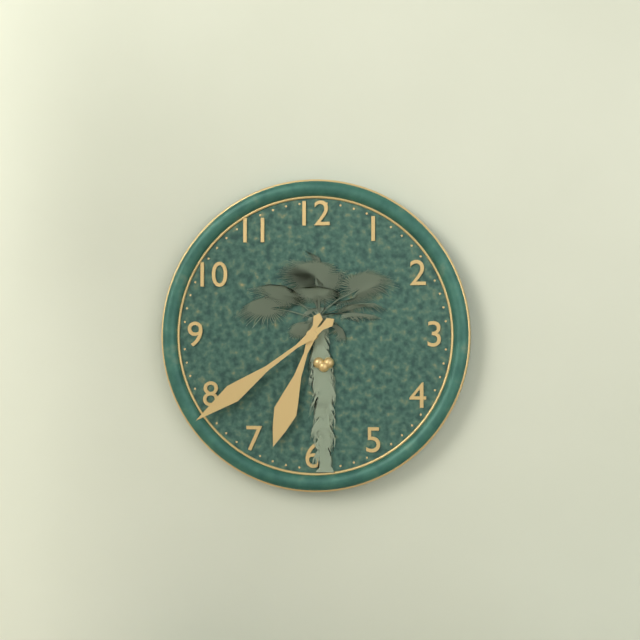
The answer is 6 h 39 min
